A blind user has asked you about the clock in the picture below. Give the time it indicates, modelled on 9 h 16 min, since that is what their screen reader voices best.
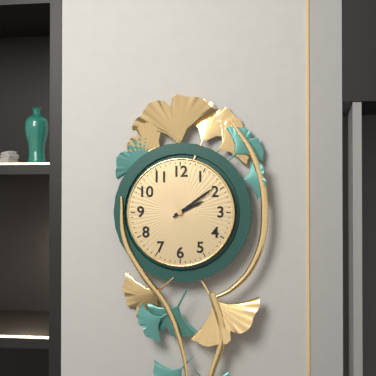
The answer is 2 h 09 min
